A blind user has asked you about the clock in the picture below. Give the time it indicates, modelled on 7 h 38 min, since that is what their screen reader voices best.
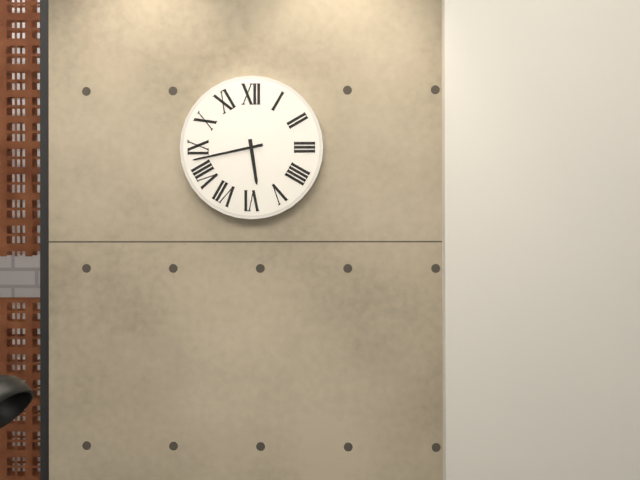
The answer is 5 h 43 min
